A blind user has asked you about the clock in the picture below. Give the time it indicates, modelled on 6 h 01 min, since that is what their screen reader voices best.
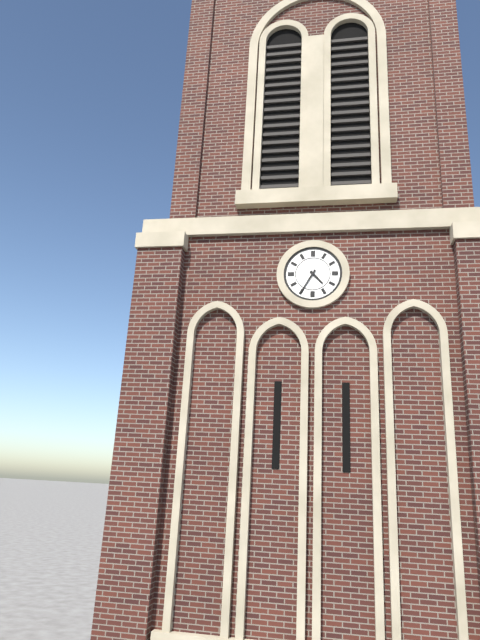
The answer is 4 h 35 min
